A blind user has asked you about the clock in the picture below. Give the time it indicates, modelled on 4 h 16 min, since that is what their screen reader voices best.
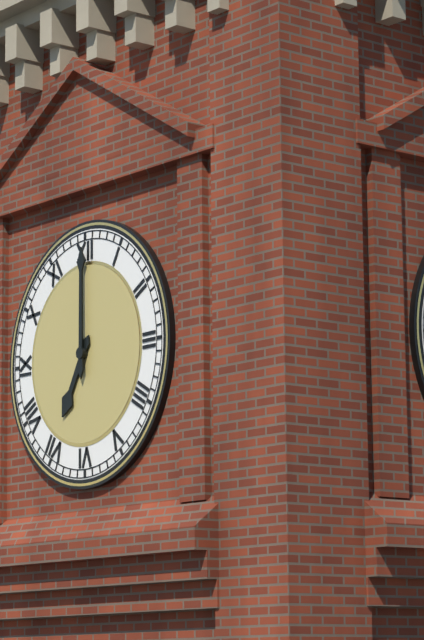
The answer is 7 h 00 min
